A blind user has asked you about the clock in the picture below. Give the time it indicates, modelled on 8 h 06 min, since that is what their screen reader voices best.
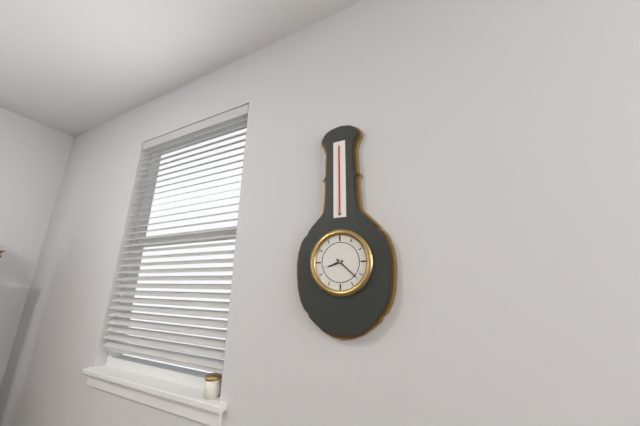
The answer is 8 h 22 min
